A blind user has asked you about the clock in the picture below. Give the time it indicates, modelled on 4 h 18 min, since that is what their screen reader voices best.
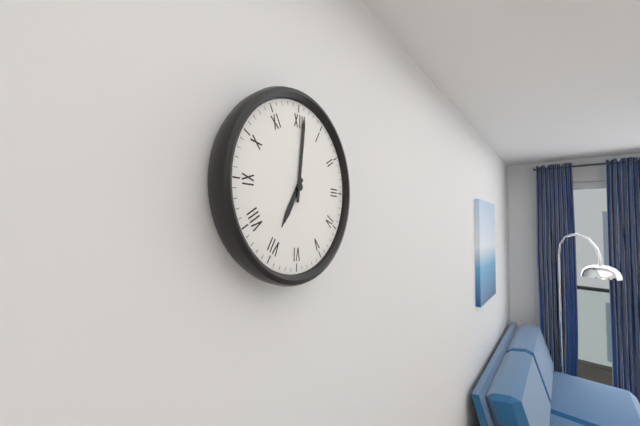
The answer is 7 h 01 min
